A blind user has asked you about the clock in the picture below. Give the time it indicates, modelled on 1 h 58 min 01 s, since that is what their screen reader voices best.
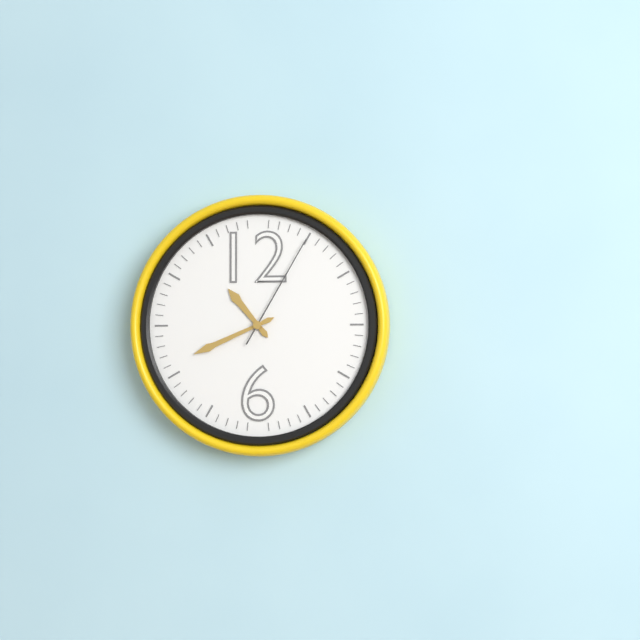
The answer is 10 h 41 min 05 s
